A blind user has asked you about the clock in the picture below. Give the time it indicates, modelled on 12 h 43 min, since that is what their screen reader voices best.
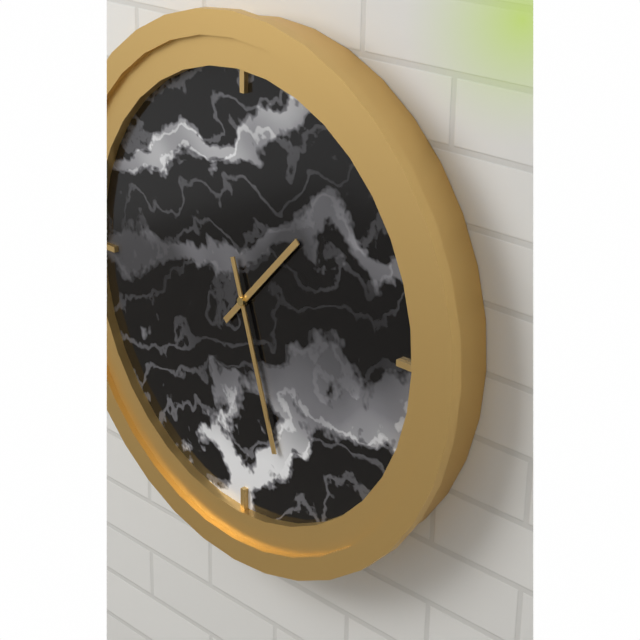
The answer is 1 h 27 min
